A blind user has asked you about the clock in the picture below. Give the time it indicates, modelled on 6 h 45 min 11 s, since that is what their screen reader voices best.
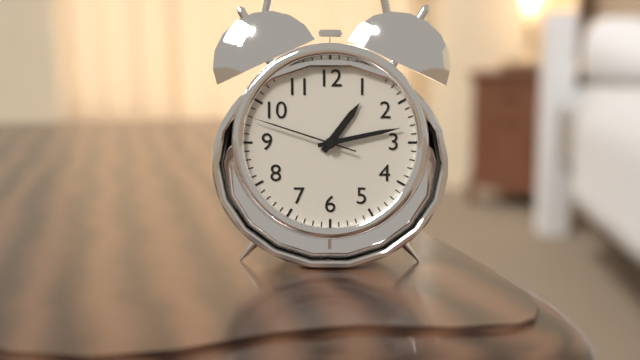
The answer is 1 h 13 min 48 s
